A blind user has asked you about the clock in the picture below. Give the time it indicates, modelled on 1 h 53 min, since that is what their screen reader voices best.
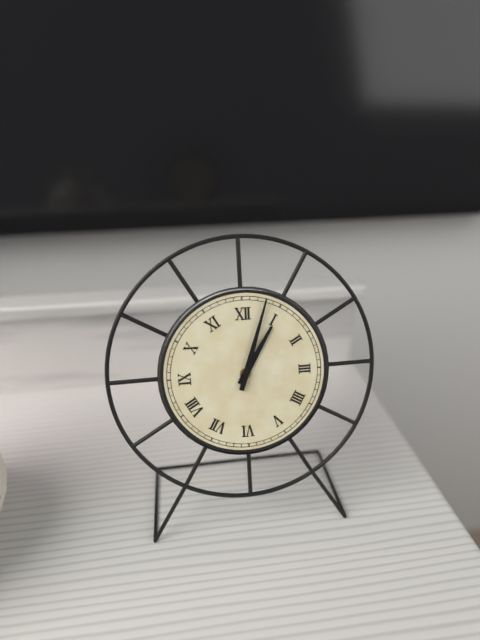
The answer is 1 h 03 min
